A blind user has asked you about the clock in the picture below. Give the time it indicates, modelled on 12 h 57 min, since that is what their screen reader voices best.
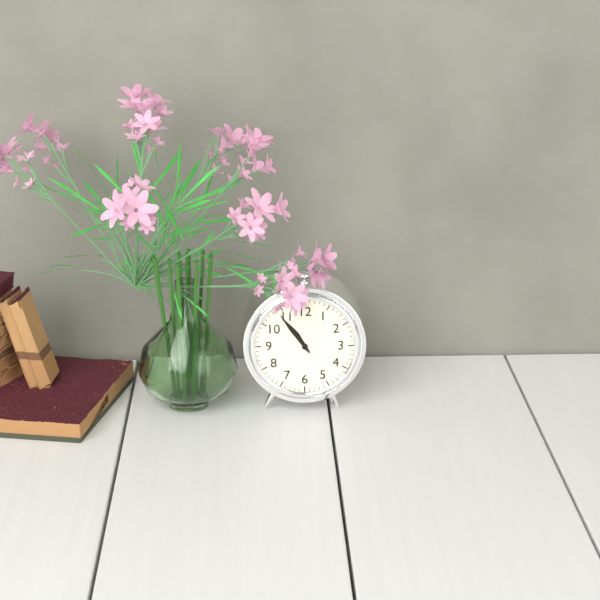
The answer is 10 h 54 min
